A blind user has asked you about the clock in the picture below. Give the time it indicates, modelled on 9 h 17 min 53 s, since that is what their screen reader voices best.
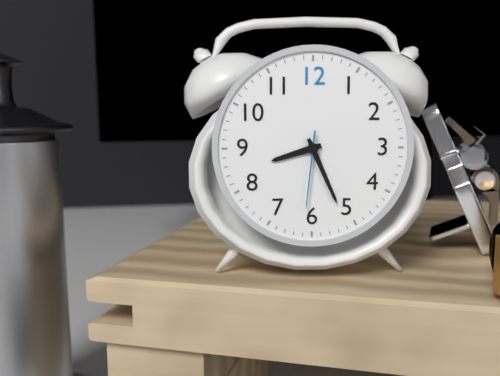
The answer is 8 h 26 min 31 s
